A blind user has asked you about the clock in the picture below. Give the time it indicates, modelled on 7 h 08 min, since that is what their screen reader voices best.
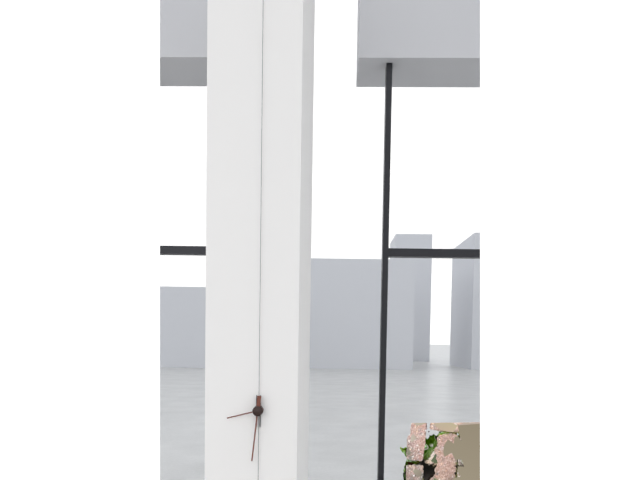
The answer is 8 h 31 min
